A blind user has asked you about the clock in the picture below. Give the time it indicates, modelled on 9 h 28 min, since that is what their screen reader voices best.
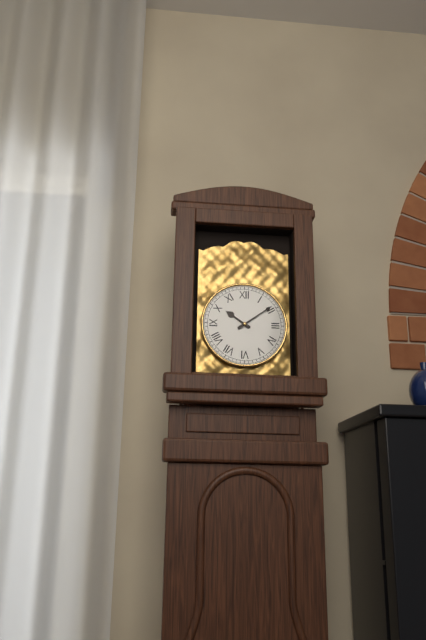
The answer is 10 h 09 min
